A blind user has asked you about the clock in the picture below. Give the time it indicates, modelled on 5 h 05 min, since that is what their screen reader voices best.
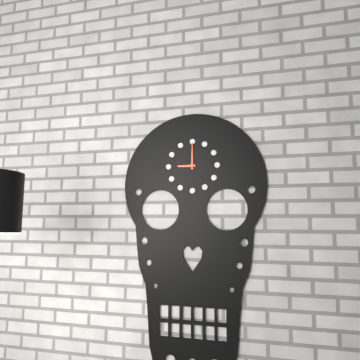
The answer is 9 h 00 min
